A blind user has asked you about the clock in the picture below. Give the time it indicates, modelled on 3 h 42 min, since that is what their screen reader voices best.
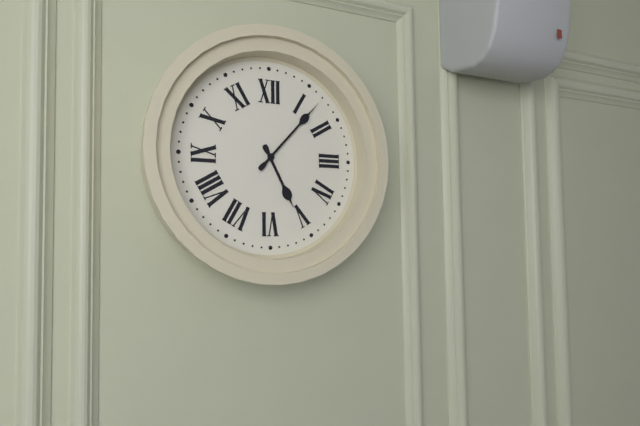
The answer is 5 h 07 min
